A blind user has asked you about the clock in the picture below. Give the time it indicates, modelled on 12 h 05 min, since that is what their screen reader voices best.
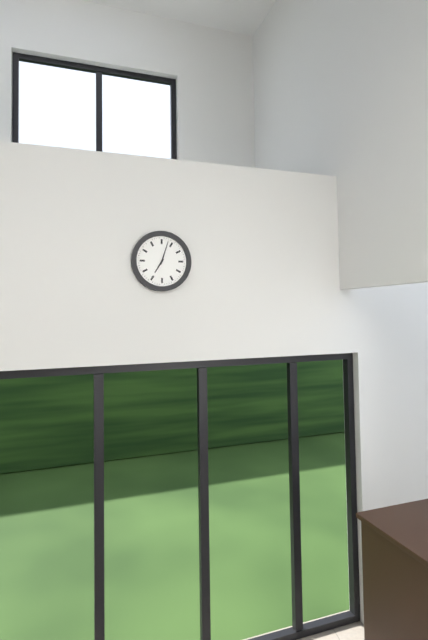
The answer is 7 h 03 min
